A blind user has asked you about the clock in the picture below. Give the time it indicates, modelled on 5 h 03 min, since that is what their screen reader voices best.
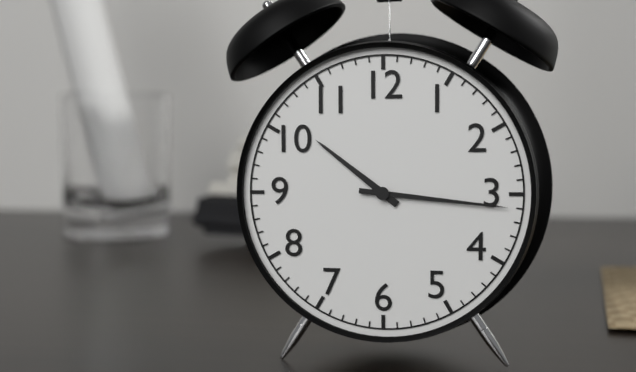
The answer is 10 h 16 min
